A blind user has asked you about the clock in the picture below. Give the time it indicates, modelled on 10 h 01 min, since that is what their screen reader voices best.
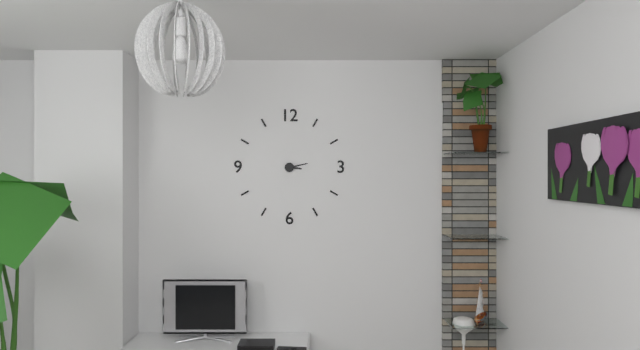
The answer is 3 h 13 min
